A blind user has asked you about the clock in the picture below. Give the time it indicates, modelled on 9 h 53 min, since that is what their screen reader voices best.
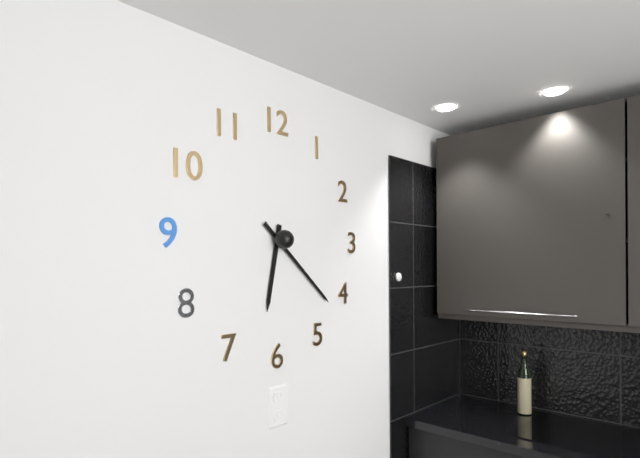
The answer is 6 h 22 min
